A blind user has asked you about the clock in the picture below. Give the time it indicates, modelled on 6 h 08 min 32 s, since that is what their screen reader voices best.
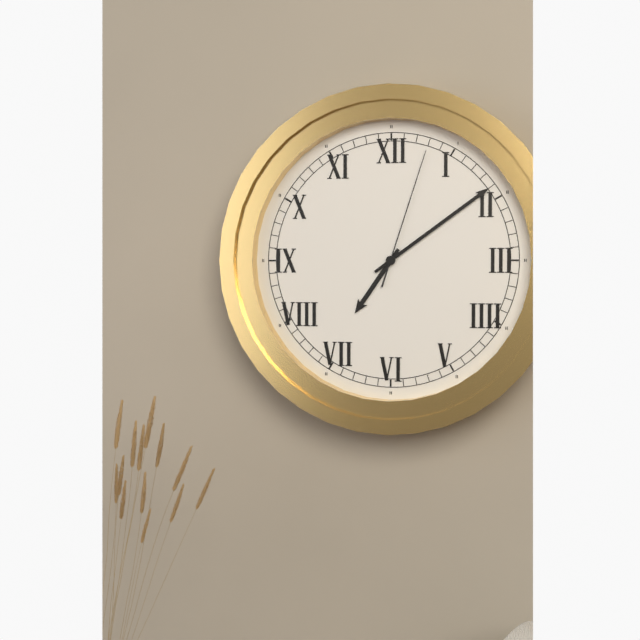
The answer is 7 h 09 min 03 s
